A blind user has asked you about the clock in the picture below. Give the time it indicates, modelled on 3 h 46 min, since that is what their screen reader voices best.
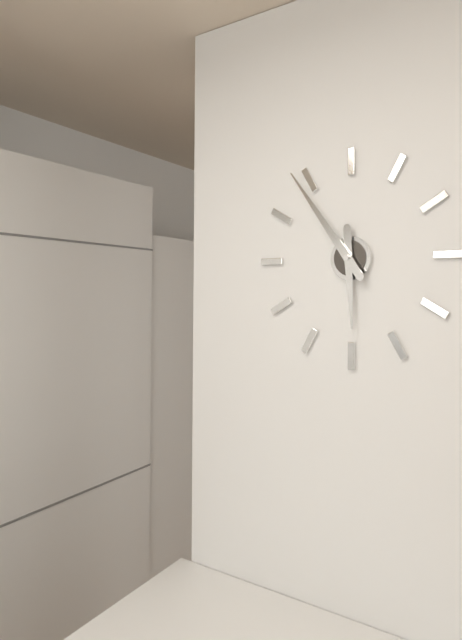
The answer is 5 h 54 min
